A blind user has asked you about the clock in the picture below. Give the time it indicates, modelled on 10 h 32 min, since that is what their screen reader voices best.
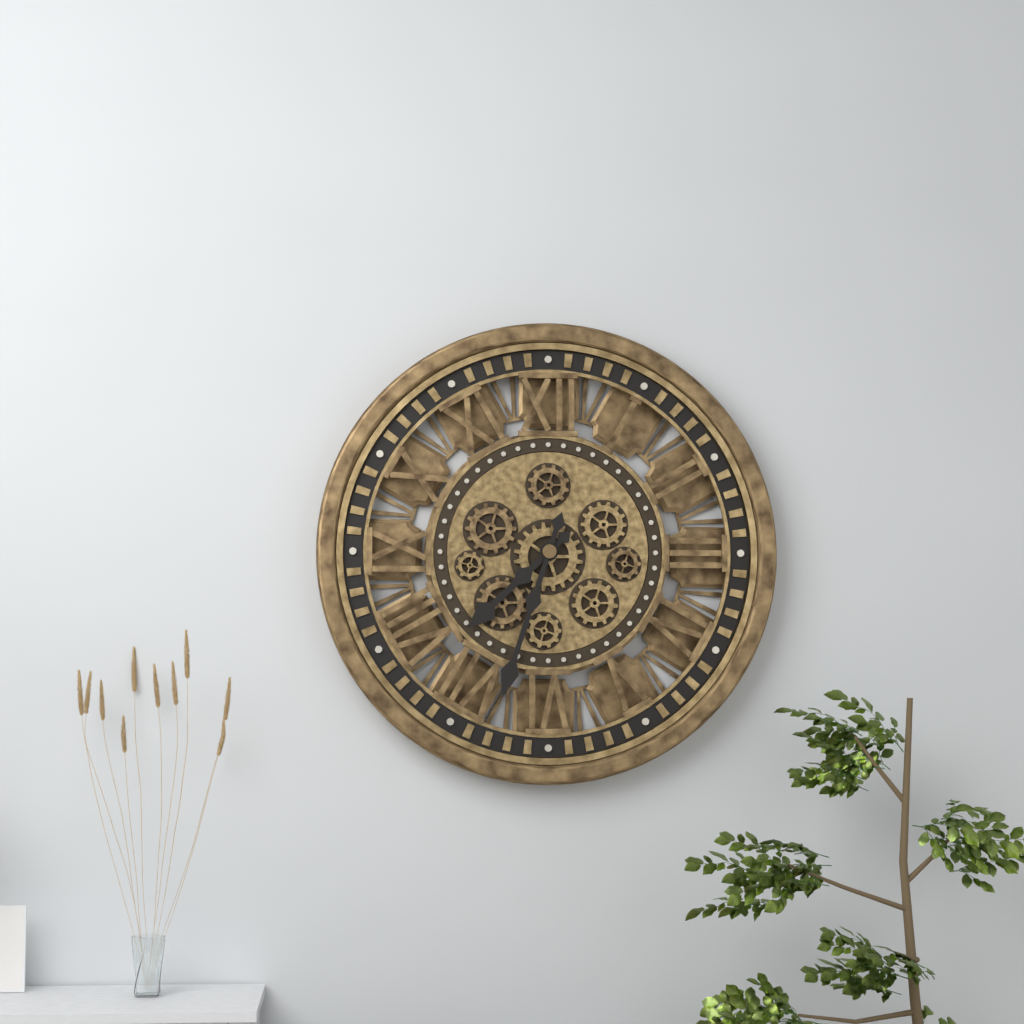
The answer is 7 h 33 min
